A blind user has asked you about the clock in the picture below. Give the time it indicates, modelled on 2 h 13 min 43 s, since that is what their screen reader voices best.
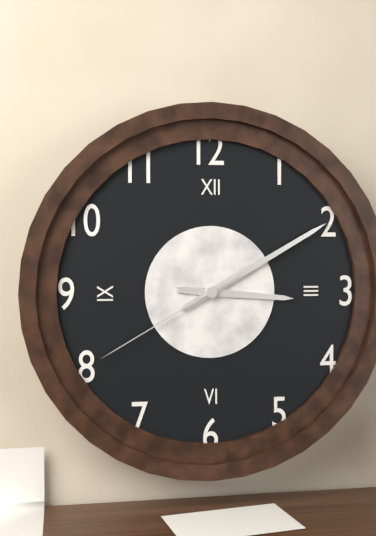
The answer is 3 h 10 min 40 s
